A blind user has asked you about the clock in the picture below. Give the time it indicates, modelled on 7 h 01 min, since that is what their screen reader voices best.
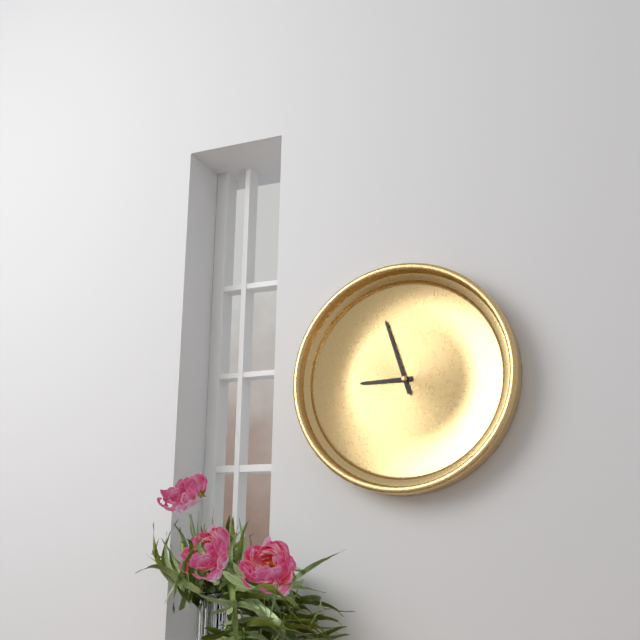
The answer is 8 h 57 min
